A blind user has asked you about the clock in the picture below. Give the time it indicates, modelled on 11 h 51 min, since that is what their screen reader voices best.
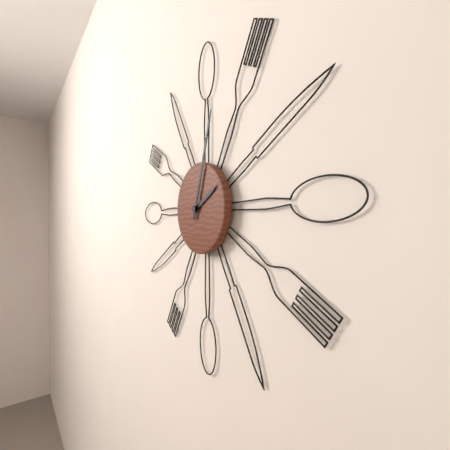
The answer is 2 h 03 min
